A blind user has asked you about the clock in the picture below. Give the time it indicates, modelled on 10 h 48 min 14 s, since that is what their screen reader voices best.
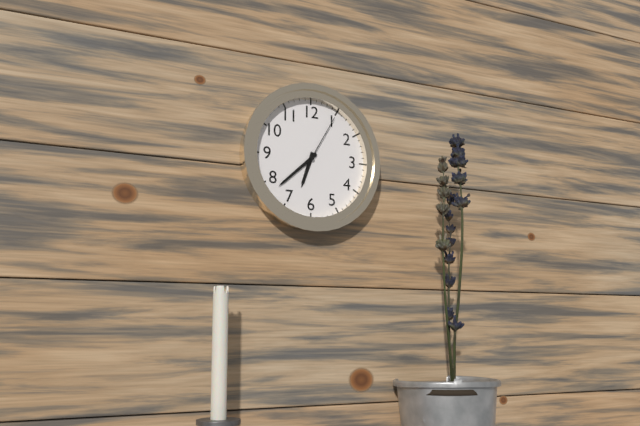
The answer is 6 h 38 min 05 s
